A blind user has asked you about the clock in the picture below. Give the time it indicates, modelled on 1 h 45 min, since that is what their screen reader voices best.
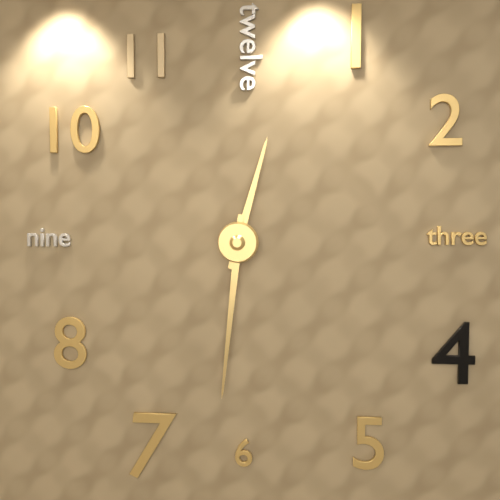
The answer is 12 h 31 min
